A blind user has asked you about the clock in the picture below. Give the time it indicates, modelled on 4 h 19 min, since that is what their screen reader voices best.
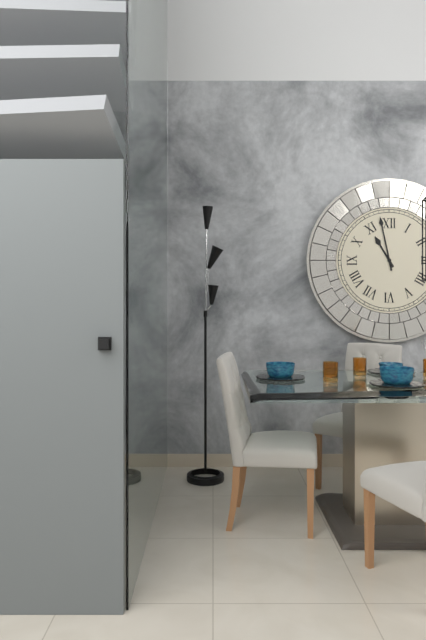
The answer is 10 h 58 min
